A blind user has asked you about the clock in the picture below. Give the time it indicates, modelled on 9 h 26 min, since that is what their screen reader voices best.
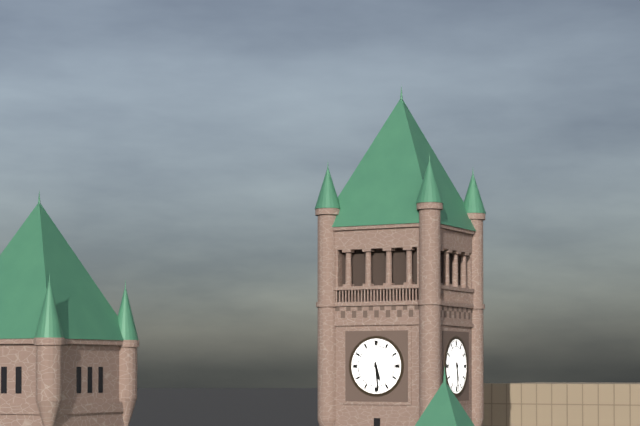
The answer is 5 h 29 min
